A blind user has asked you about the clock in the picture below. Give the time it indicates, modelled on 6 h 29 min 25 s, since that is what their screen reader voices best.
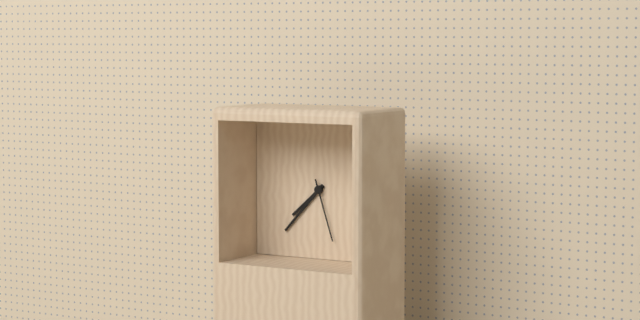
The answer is 7 h 37 min 27 s
